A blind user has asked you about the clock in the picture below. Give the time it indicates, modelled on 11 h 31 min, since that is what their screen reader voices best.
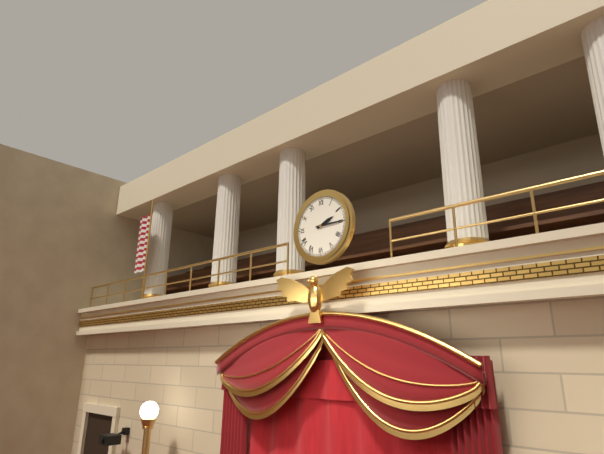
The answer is 2 h 15 min
